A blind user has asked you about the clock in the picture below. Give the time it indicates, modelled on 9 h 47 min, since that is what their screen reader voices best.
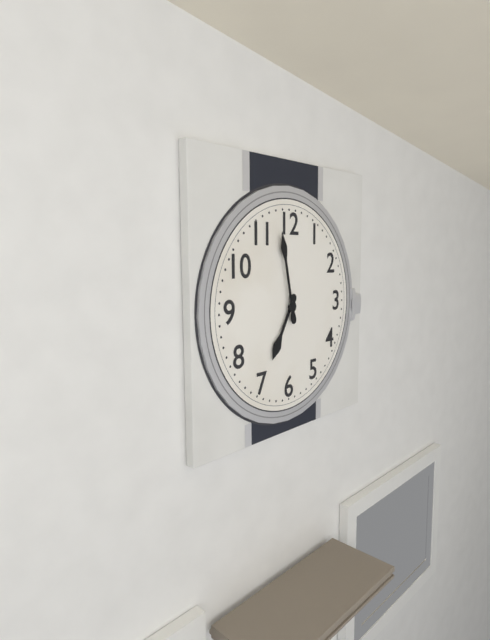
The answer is 6 h 58 min
